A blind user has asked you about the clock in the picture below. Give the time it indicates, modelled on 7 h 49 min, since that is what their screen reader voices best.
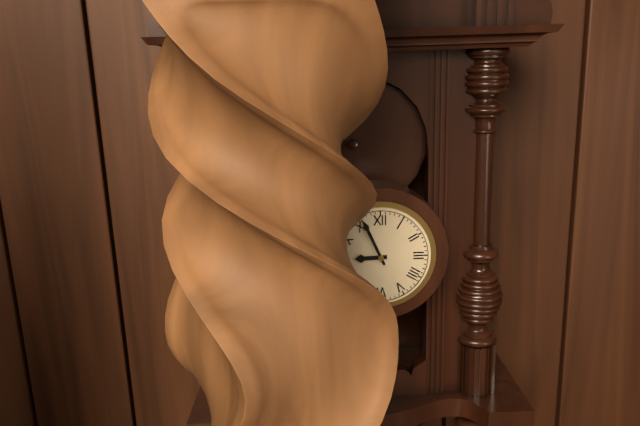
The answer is 8 h 56 min
